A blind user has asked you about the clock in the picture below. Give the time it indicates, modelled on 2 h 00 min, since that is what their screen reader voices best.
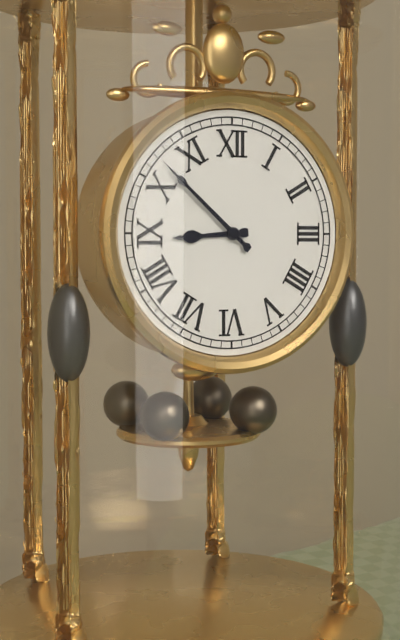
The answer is 8 h 52 min
